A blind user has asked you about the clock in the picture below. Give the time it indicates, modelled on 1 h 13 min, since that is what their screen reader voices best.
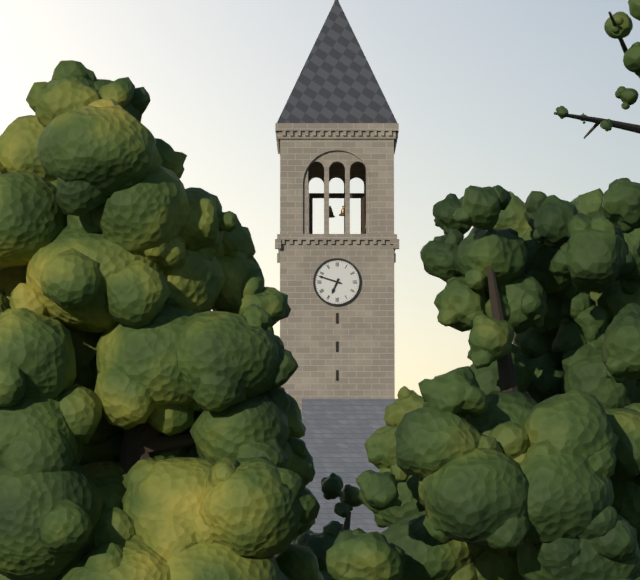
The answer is 6 h 48 min
